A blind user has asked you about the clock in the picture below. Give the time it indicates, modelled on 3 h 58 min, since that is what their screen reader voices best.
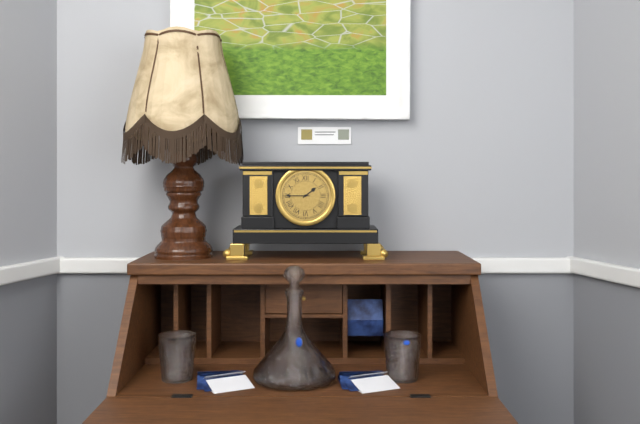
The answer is 1 h 45 min
